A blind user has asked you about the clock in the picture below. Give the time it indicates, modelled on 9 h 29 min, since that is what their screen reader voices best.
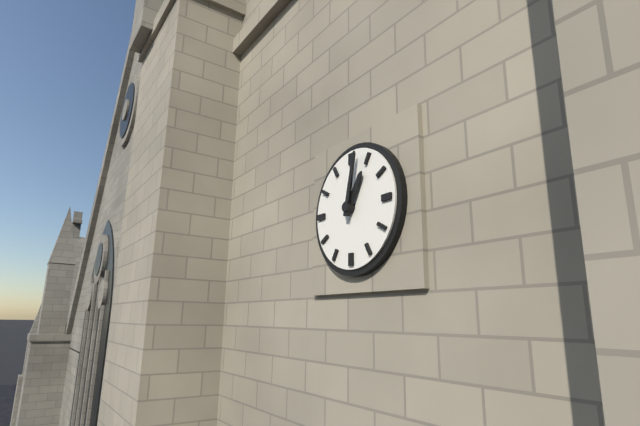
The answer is 1 h 02 min
